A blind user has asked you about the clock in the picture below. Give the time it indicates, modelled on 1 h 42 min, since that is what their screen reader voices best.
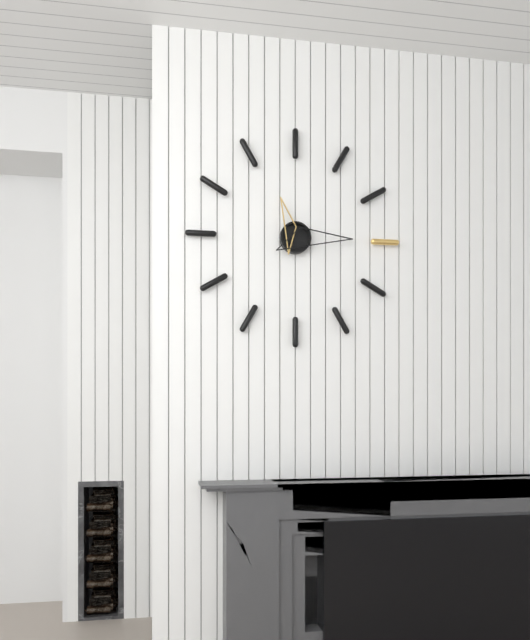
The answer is 11 h 15 min
